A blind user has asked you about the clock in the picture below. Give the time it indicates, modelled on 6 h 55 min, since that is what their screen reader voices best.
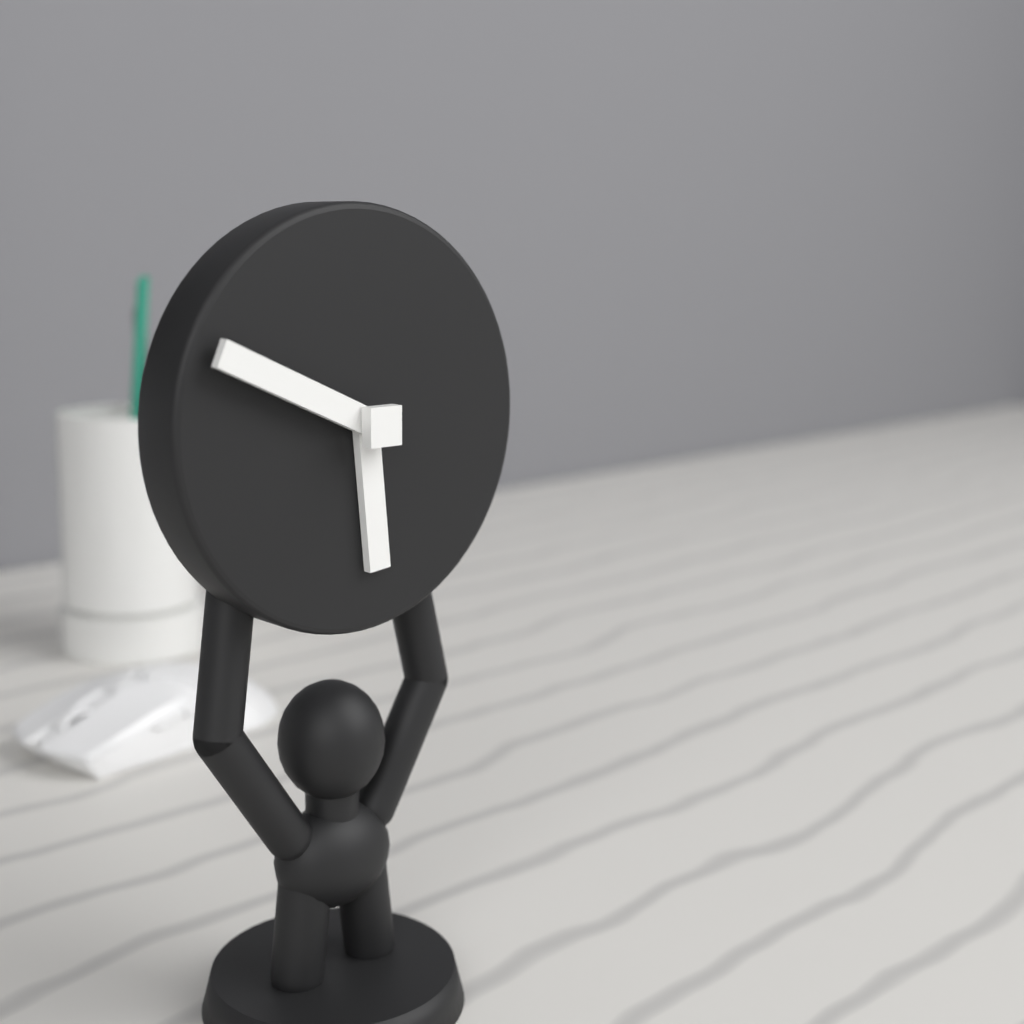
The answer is 5 h 49 min
